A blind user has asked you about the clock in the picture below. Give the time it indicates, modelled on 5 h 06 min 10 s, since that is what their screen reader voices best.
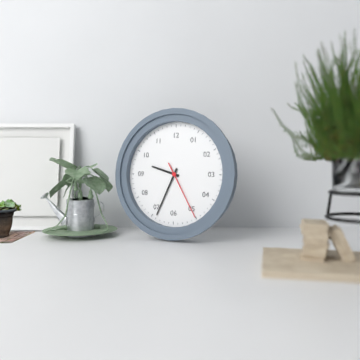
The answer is 9 h 34 min 25 s
